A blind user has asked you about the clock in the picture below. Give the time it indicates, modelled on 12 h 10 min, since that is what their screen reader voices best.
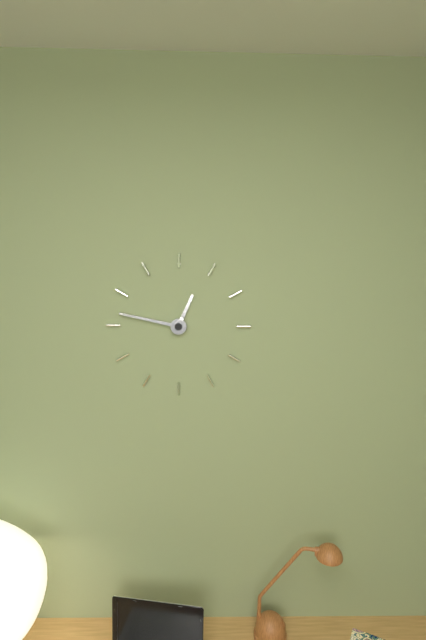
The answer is 12 h 47 min
